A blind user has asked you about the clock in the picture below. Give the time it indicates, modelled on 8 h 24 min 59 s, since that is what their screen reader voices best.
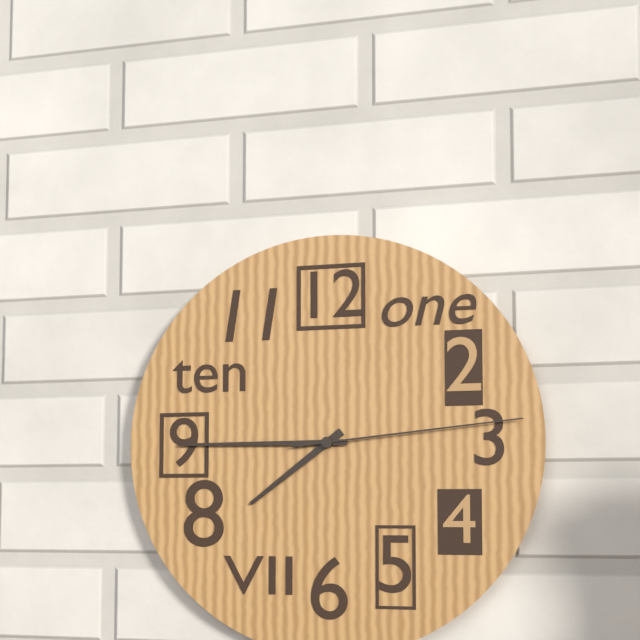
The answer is 7 h 45 min 14 s
